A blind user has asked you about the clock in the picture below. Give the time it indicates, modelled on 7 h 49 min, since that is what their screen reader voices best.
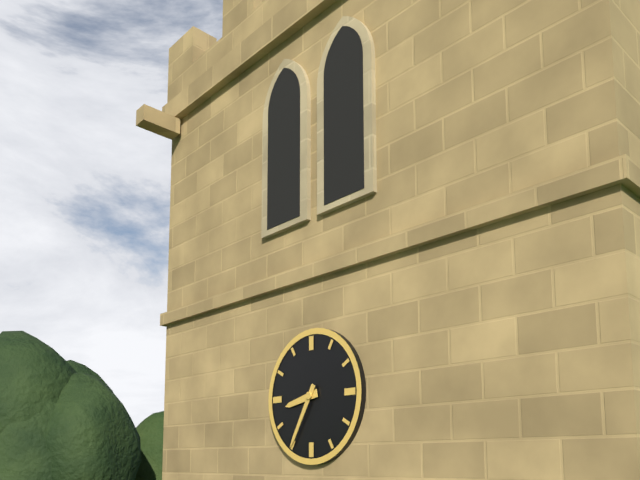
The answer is 8 h 35 min
